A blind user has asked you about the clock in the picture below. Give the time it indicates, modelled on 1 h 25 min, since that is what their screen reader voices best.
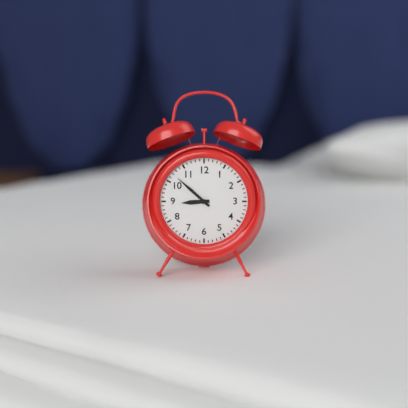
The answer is 8 h 52 min
